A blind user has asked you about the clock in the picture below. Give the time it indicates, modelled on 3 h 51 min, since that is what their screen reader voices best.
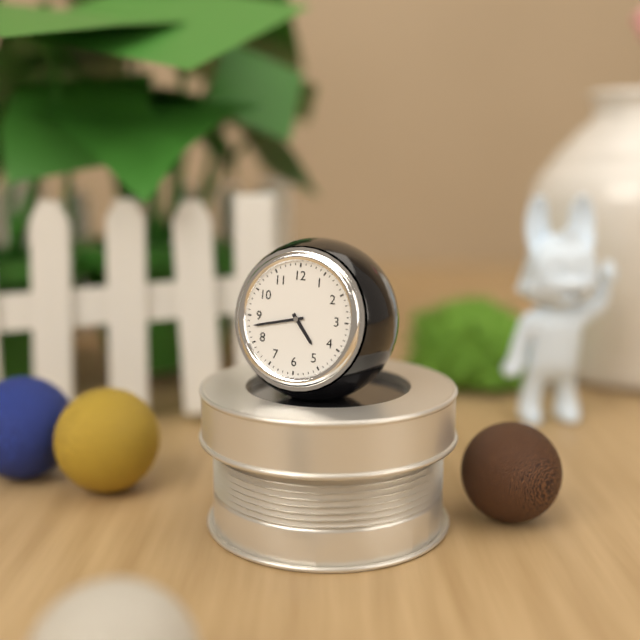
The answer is 4 h 43 min
